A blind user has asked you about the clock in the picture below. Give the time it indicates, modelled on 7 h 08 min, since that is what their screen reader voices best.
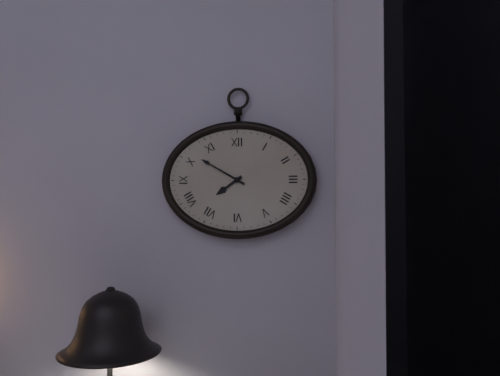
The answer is 7 h 50 min
